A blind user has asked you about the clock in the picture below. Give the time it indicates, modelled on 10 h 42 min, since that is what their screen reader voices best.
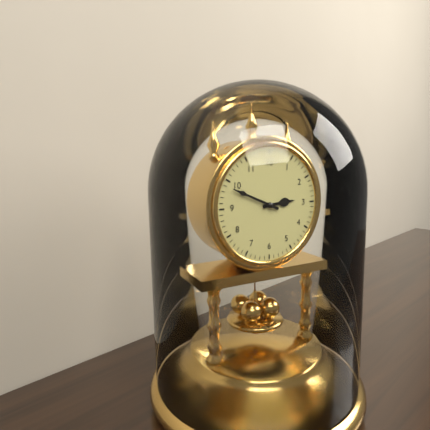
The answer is 2 h 49 min
